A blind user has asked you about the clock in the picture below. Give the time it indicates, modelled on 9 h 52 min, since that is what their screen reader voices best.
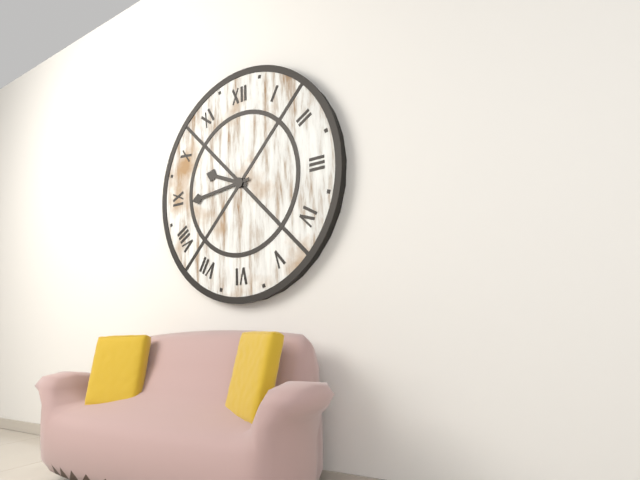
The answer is 9 h 44 min
